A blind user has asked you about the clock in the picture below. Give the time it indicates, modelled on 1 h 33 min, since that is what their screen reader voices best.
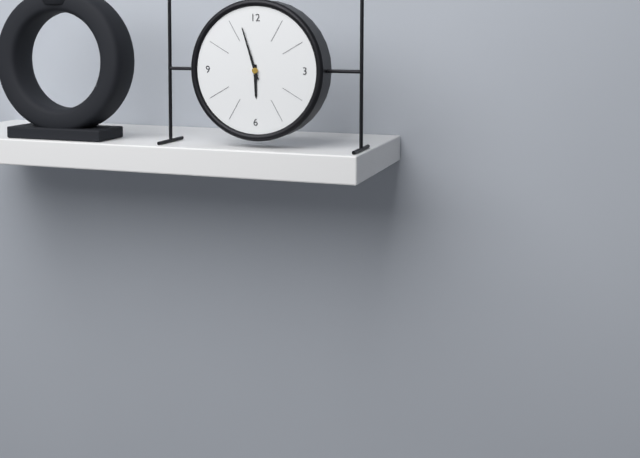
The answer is 5 h 57 min
